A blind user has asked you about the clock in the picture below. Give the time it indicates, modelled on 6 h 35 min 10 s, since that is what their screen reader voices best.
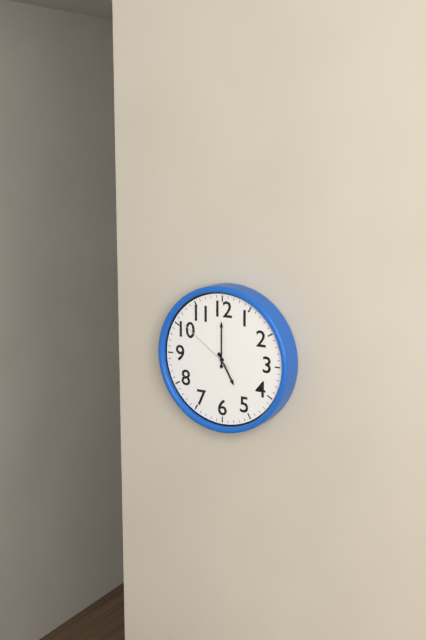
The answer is 5 h 00 min 51 s
